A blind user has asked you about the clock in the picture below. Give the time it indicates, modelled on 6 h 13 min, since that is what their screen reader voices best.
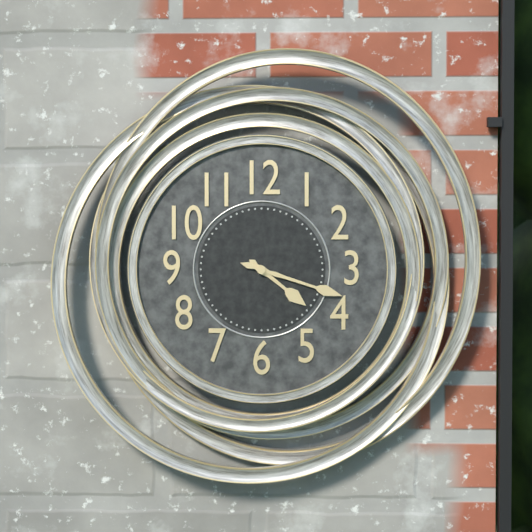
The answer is 4 h 18 min
